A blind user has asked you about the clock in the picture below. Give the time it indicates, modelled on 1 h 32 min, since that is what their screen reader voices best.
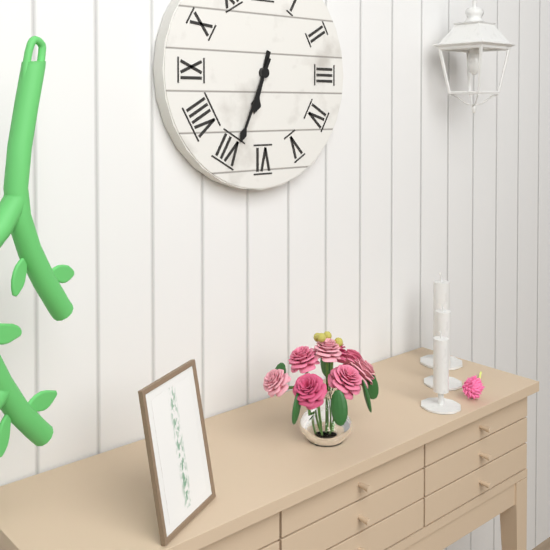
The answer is 6 h 34 min
